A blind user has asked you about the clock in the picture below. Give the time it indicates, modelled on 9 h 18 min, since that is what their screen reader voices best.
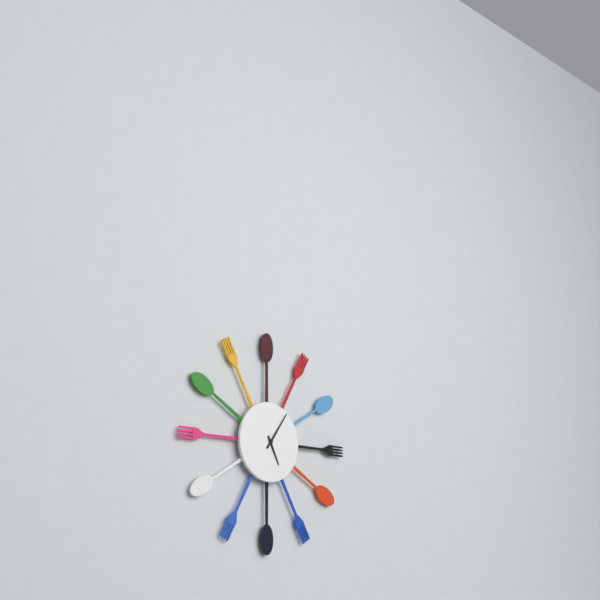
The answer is 5 h 06 min
